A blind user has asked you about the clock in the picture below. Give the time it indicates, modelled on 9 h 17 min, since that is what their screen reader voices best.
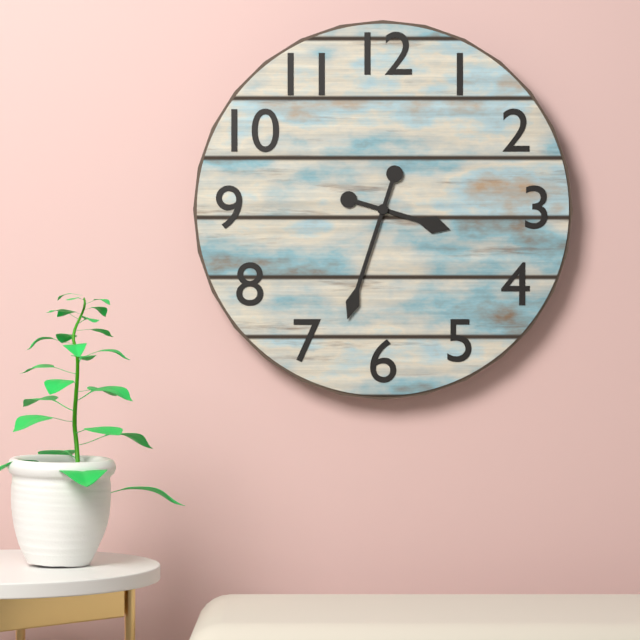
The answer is 3 h 33 min
